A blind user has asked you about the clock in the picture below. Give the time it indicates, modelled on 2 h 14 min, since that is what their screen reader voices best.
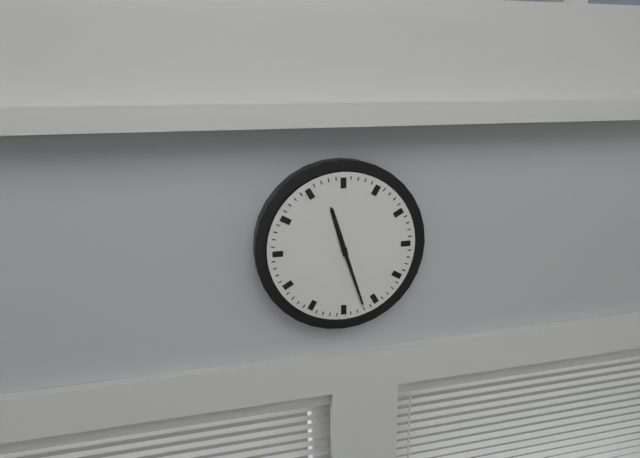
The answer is 11 h 27 min
